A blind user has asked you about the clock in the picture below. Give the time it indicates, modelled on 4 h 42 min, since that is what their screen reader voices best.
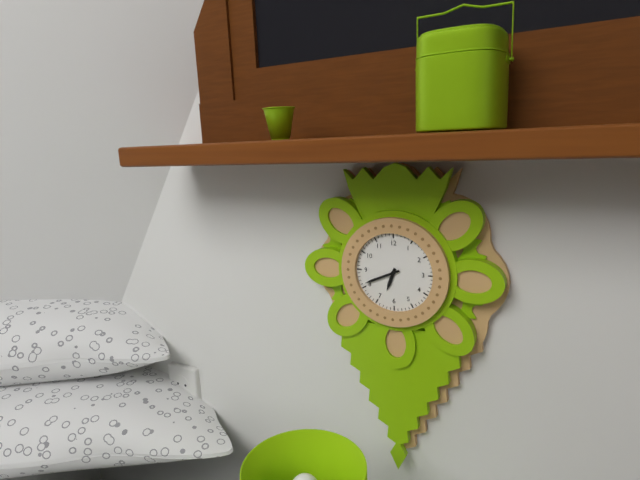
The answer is 6 h 41 min
